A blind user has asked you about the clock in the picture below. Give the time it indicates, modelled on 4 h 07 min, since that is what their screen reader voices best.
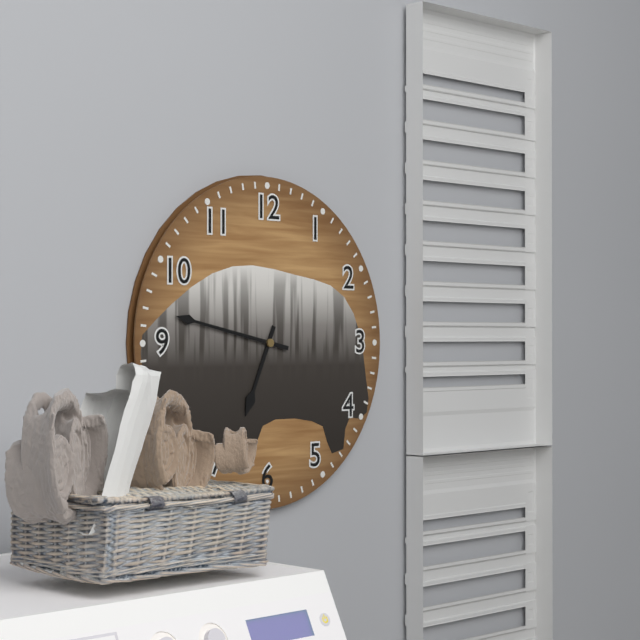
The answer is 6 h 47 min
